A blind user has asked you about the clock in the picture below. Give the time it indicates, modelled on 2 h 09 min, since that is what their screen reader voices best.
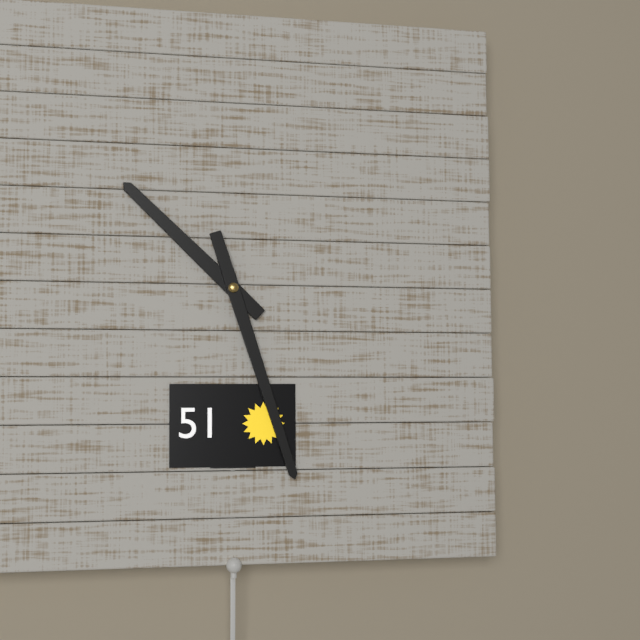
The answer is 10 h 27 min
